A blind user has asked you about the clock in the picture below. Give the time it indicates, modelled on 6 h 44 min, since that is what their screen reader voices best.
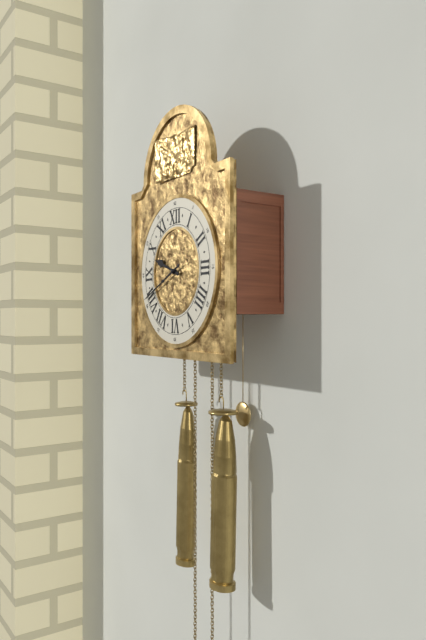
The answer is 9 h 41 min
